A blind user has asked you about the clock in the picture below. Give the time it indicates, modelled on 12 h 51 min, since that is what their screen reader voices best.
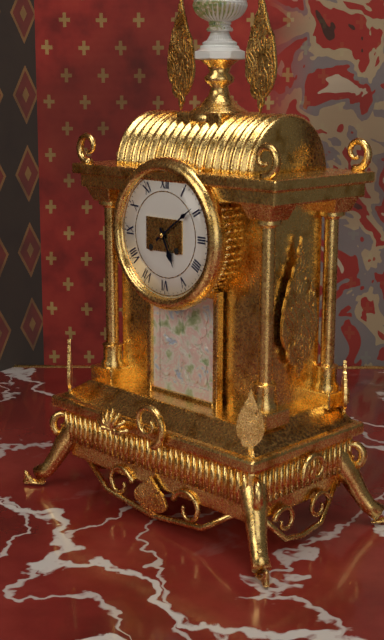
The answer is 5 h 09 min
